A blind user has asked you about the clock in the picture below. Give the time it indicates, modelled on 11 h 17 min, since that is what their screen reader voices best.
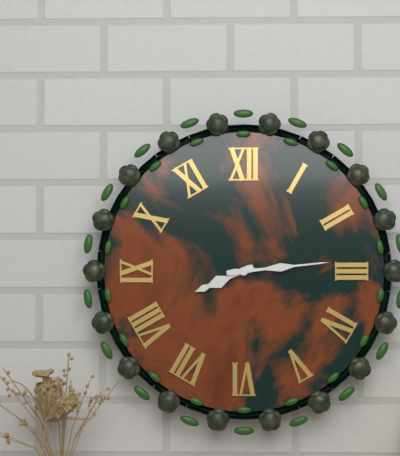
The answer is 8 h 14 min
